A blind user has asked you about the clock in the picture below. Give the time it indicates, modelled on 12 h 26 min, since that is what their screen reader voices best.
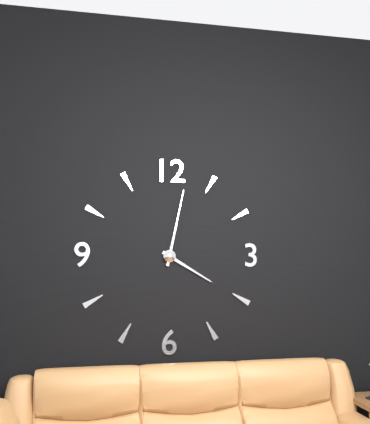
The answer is 4 h 02 min
